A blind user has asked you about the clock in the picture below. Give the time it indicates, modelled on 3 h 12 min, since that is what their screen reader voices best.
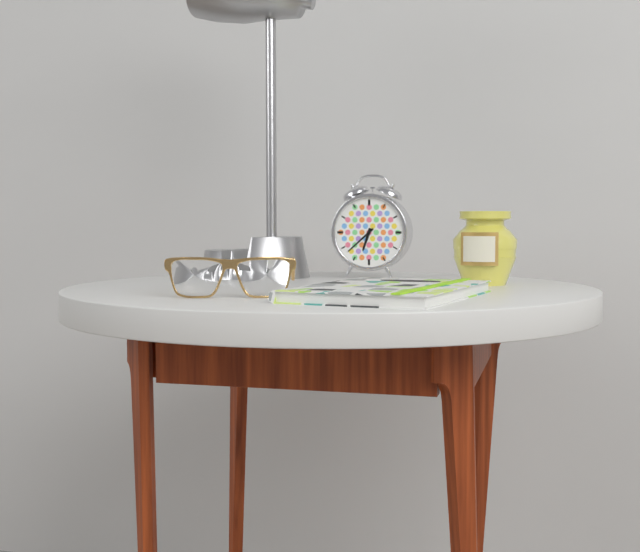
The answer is 6 h 38 min
